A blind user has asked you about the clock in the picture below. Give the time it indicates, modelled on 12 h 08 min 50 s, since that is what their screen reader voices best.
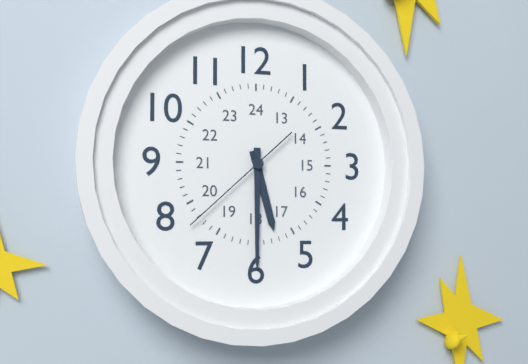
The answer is 5 h 30 min 38 s
